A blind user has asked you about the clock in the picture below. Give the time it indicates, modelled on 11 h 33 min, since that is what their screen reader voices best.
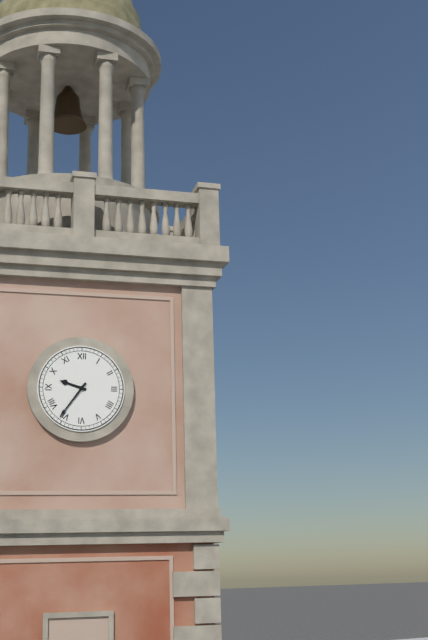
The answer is 9 h 36 min
